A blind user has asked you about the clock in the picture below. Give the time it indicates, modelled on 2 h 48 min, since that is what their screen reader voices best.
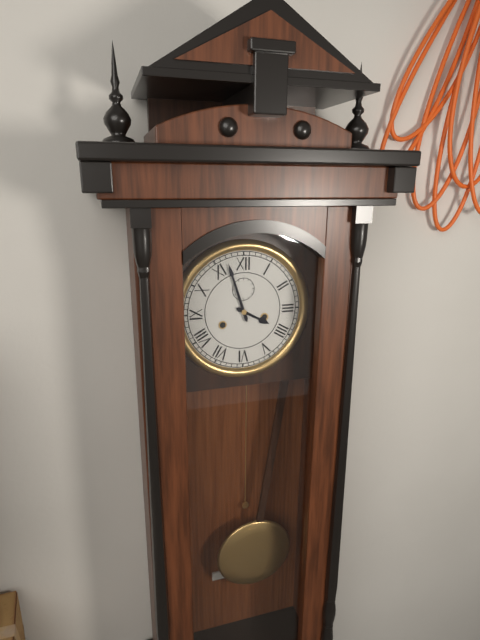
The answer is 3 h 57 min
